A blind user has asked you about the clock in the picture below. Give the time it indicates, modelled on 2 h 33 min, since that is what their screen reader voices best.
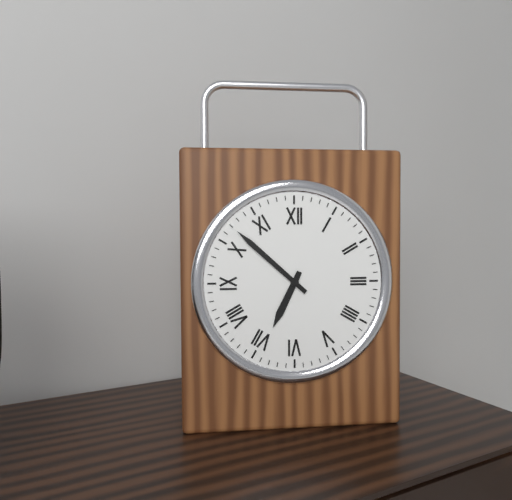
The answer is 6 h 52 min
